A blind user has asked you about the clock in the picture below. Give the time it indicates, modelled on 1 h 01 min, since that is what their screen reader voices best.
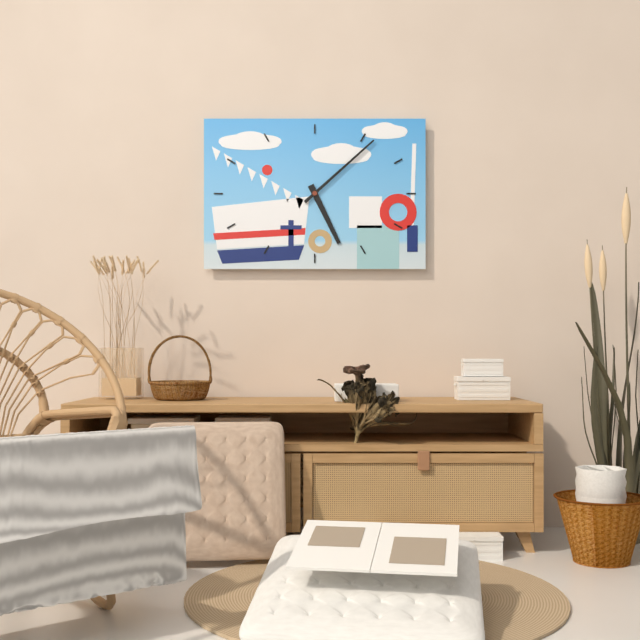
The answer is 5 h 08 min
